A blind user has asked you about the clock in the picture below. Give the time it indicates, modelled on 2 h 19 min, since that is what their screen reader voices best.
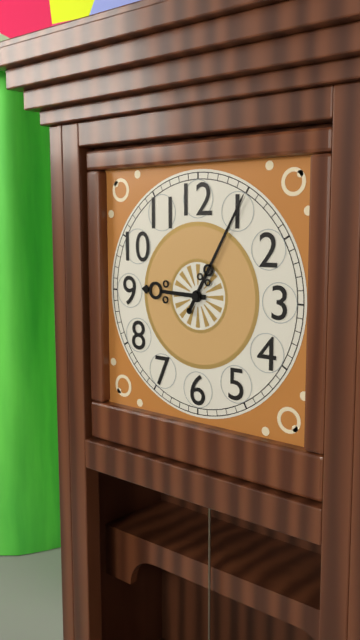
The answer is 9 h 05 min
